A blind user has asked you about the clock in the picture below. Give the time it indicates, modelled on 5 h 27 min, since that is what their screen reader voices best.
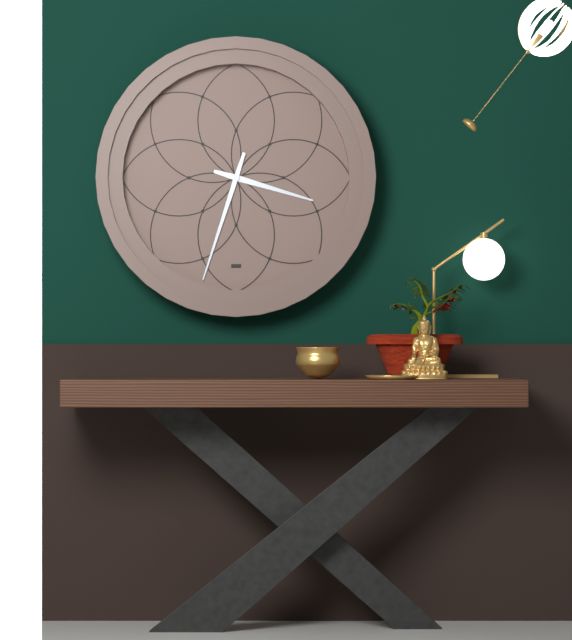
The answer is 3 h 33 min
